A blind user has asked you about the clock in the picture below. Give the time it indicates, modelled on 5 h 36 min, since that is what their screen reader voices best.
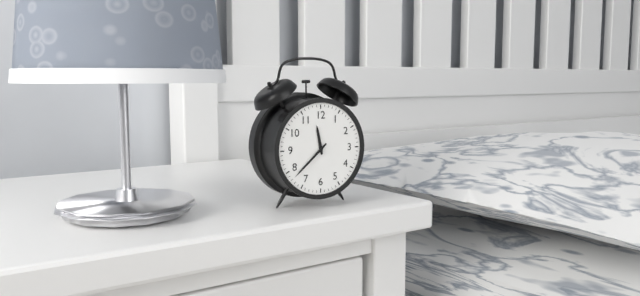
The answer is 11 h 38 min
